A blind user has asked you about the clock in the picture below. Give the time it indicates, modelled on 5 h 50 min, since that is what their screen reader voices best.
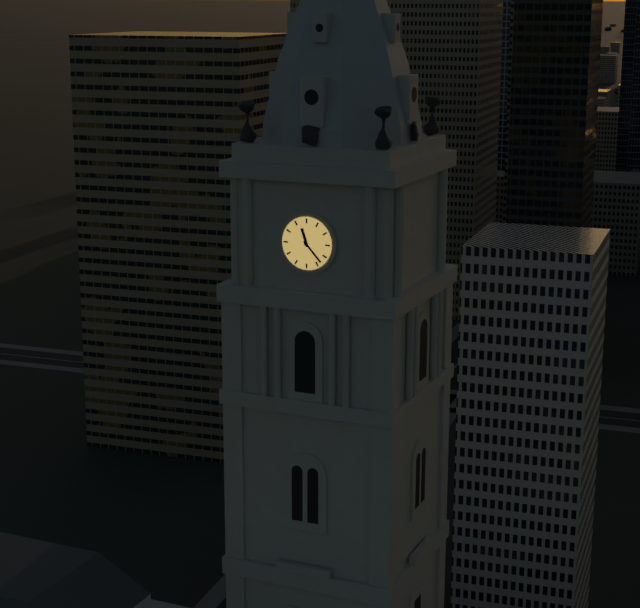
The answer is 11 h 23 min
